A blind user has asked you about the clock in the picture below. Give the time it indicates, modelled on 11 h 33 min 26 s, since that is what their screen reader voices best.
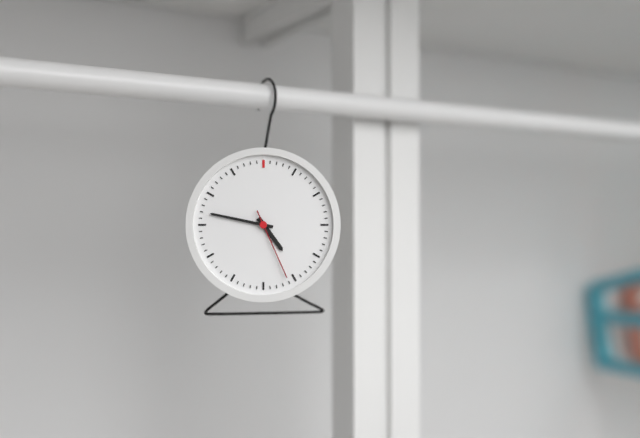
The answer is 4 h 47 min 26 s
